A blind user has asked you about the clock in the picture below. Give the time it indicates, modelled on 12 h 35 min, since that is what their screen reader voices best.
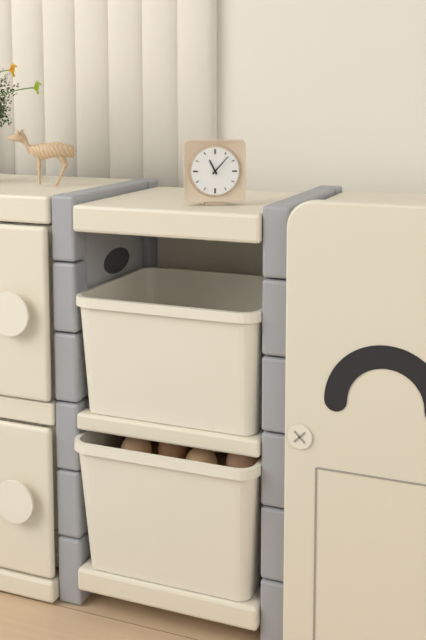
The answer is 11 h 07 min
